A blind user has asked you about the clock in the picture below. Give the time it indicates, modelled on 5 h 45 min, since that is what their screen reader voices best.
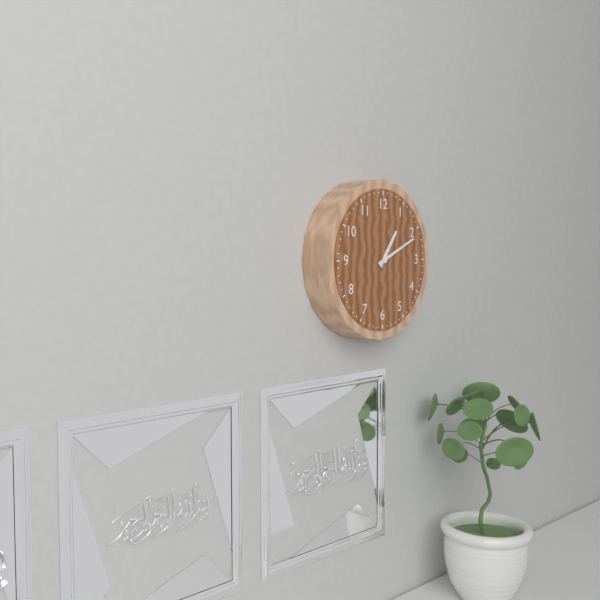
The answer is 1 h 11 min
